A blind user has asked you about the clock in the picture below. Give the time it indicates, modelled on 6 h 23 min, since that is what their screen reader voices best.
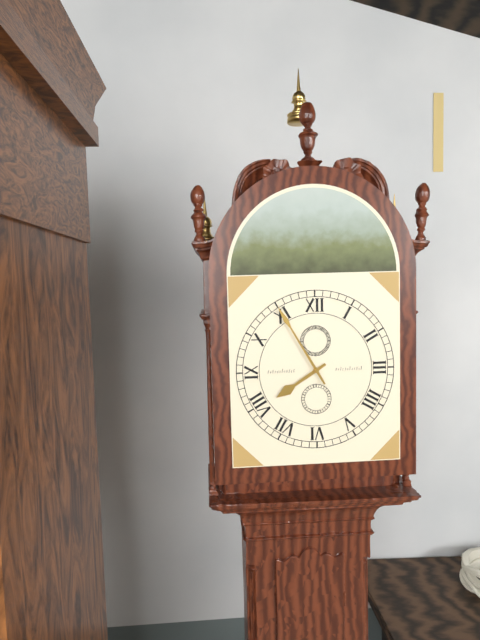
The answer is 7 h 55 min
